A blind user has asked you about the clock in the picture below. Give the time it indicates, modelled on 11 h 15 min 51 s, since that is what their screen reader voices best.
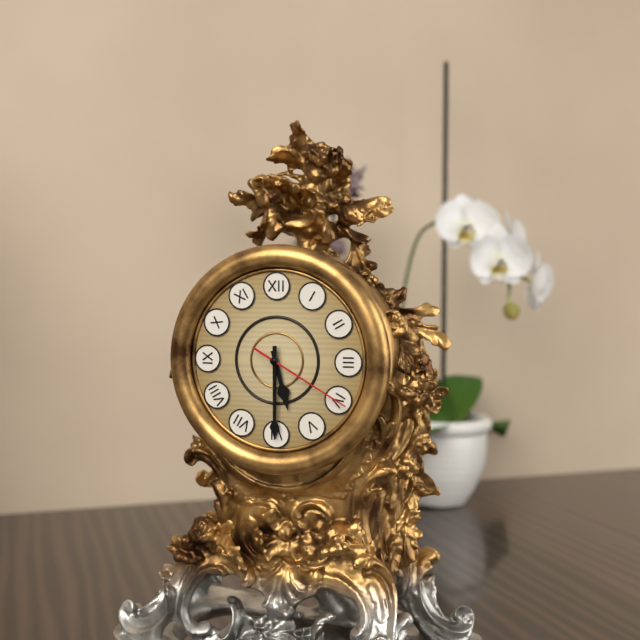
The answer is 5 h 30 min 20 s
